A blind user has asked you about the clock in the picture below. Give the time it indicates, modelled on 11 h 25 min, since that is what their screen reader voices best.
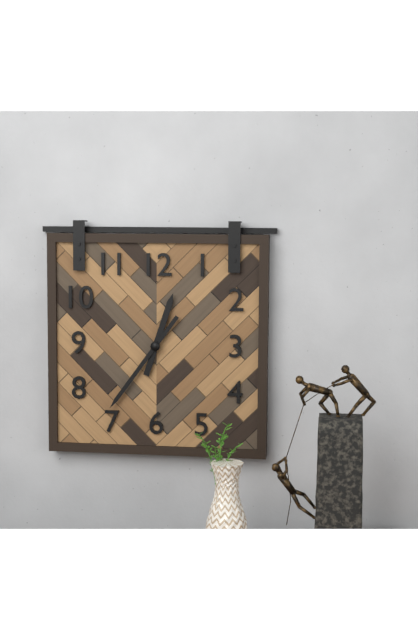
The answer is 12 h 36 min
